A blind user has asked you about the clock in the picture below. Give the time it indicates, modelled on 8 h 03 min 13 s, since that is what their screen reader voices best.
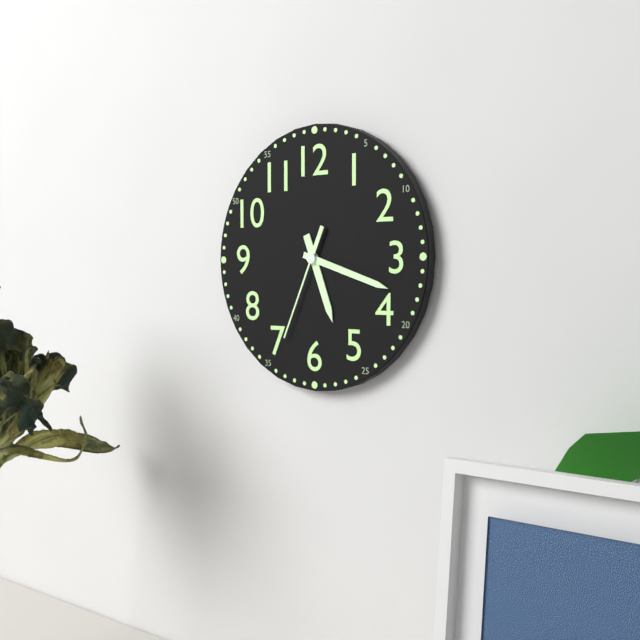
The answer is 5 h 18 min 34 s
